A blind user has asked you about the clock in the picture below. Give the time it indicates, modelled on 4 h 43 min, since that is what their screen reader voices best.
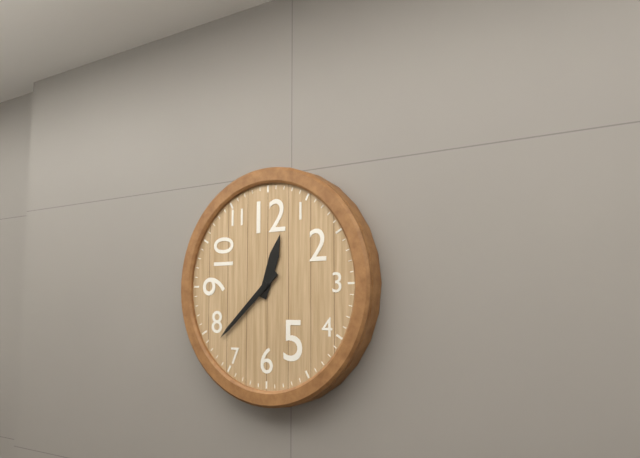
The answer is 12 h 38 min
